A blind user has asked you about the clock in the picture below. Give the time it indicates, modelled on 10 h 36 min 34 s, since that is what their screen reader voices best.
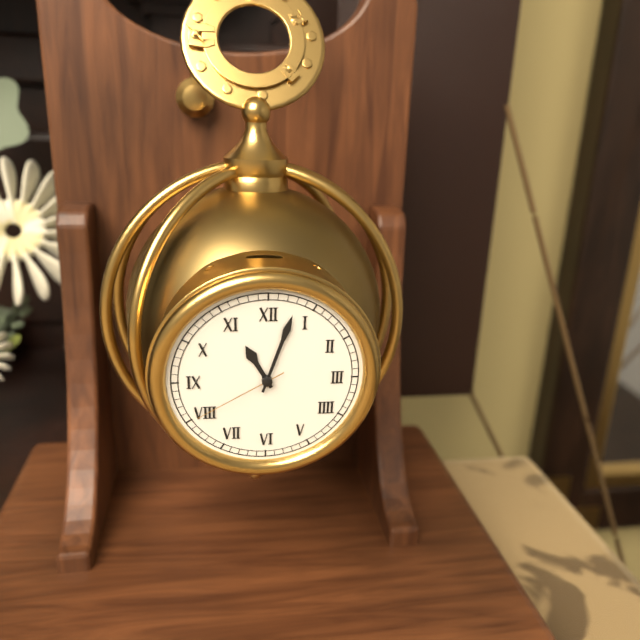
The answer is 11 h 03 min 40 s
